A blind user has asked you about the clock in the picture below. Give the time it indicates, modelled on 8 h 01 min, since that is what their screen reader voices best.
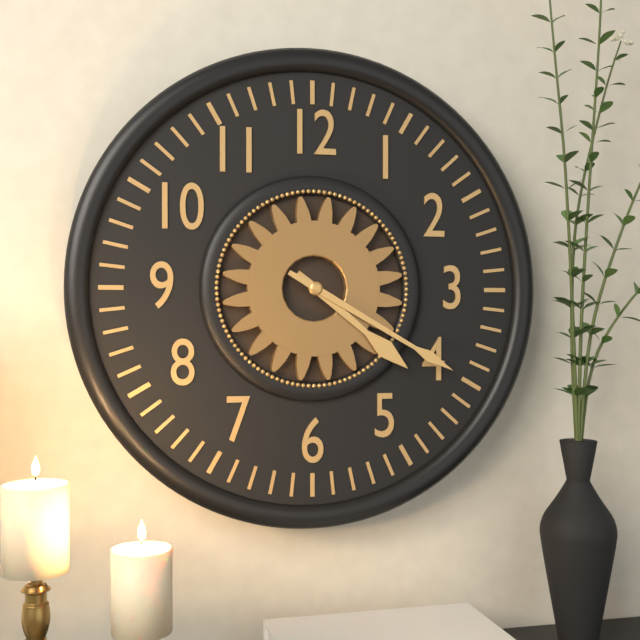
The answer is 4 h 20 min
